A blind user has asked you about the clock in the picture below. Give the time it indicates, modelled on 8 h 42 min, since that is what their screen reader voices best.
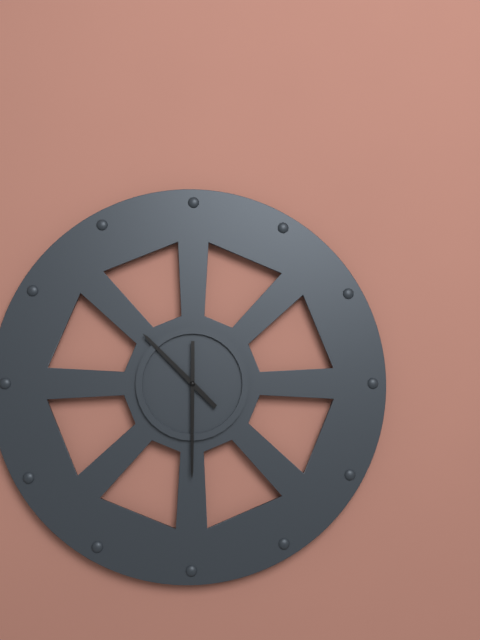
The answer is 10 h 30 min
